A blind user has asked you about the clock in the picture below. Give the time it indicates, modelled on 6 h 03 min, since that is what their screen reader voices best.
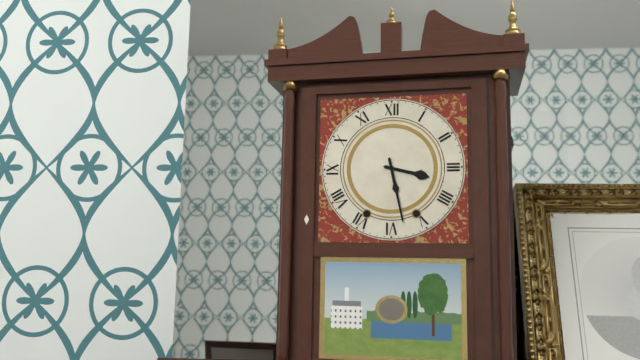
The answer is 3 h 28 min
